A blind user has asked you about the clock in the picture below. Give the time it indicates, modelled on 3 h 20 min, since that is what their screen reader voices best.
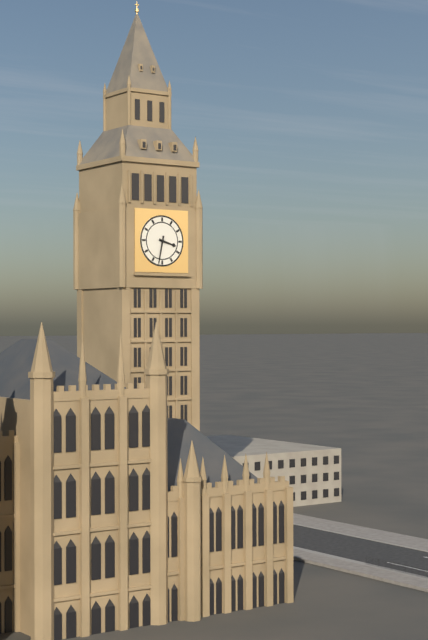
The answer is 3 h 32 min
